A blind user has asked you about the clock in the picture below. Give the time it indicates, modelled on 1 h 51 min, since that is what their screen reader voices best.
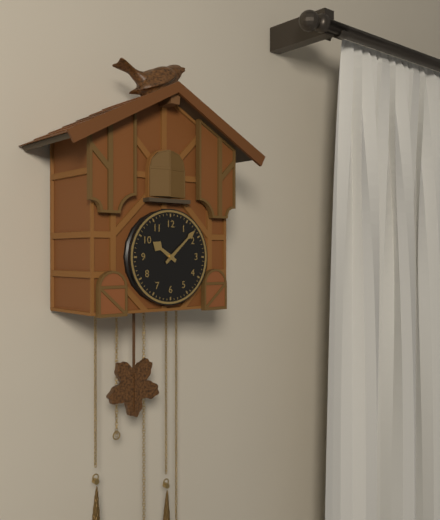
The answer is 10 h 08 min
